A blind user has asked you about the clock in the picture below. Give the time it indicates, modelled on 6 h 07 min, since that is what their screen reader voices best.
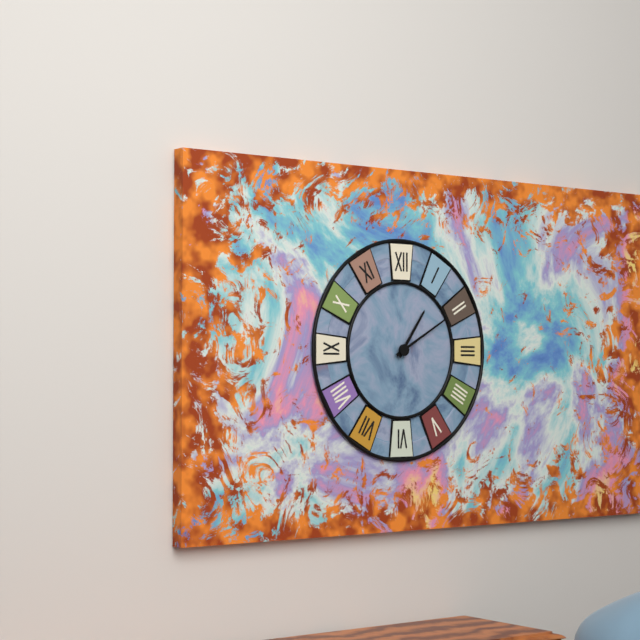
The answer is 1 h 10 min
